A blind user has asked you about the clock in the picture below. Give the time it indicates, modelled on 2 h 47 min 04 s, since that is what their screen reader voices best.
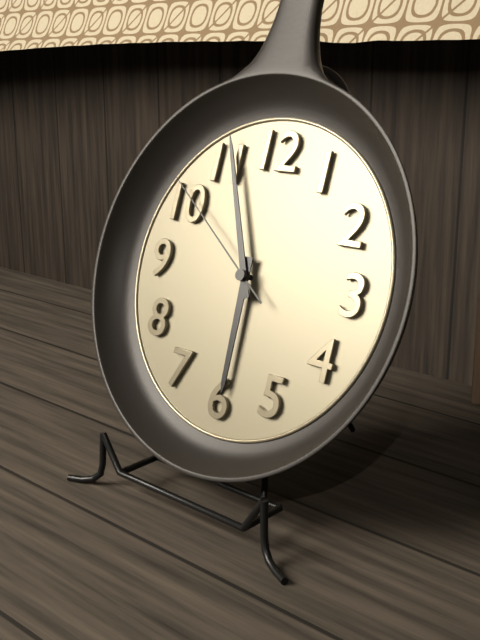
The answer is 5 h 56 min 51 s
